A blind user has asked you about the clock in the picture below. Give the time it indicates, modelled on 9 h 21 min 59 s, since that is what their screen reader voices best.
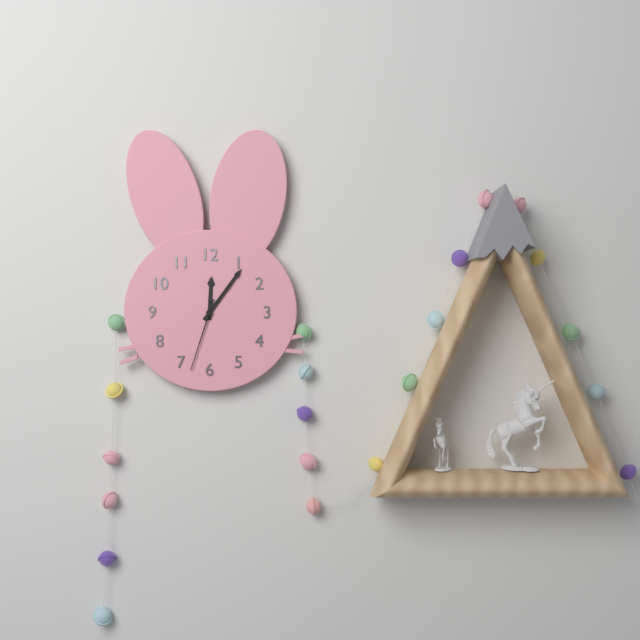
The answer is 12 h 06 min 33 s
